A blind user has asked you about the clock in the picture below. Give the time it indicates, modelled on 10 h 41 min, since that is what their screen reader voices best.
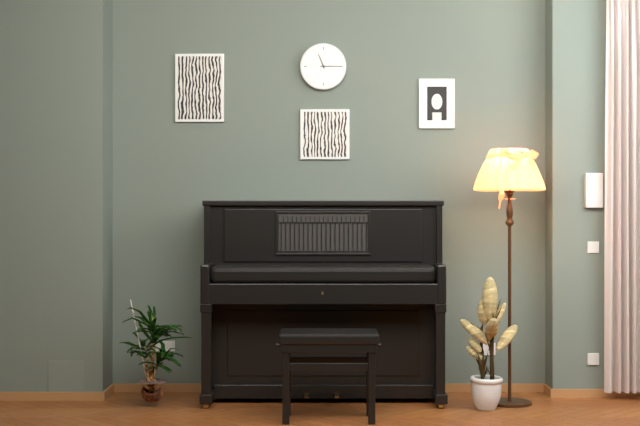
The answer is 11 h 15 min
